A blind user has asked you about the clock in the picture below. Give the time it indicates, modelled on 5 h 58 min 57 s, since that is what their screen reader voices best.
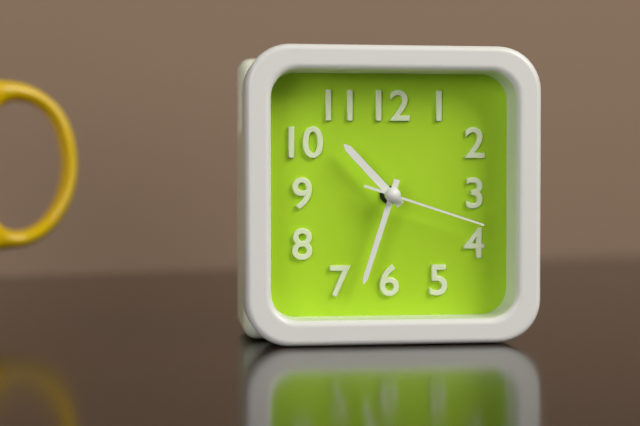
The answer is 10 h 33 min 18 s
